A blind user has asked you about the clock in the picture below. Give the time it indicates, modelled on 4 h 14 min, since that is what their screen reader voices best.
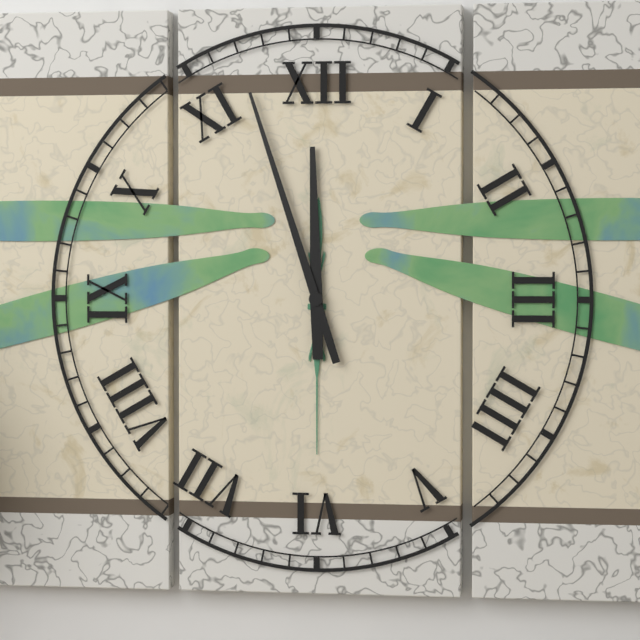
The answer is 11 h 57 min
